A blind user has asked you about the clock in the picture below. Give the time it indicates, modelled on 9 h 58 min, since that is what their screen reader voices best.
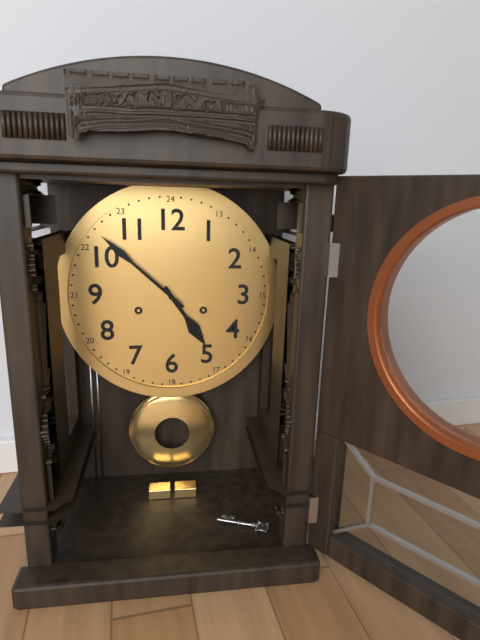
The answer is 4 h 52 min
